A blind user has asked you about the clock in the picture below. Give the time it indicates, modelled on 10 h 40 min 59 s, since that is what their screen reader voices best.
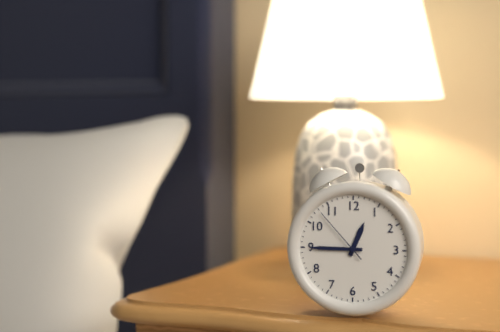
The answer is 12 h 45 min 53 s
